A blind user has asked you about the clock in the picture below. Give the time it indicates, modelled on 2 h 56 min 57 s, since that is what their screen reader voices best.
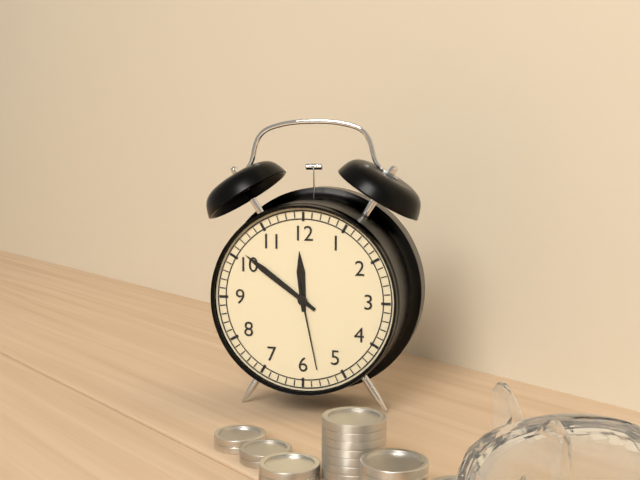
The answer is 11 h 51 min 28 s
